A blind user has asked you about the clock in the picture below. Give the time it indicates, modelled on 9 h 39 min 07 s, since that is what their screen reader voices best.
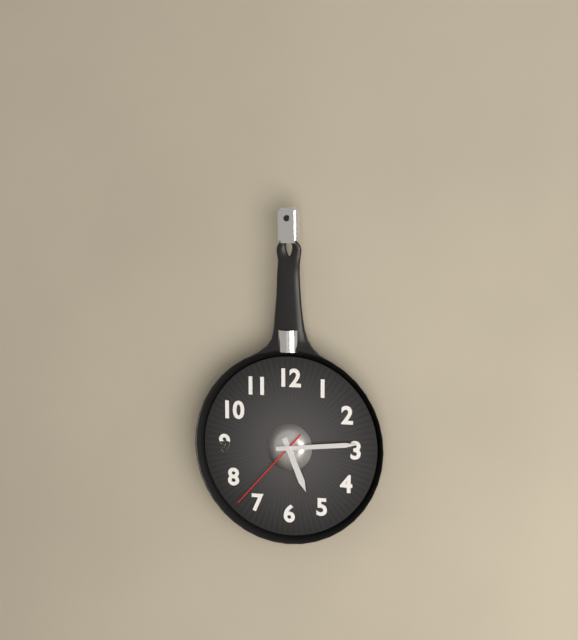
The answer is 5 h 14 min 37 s
